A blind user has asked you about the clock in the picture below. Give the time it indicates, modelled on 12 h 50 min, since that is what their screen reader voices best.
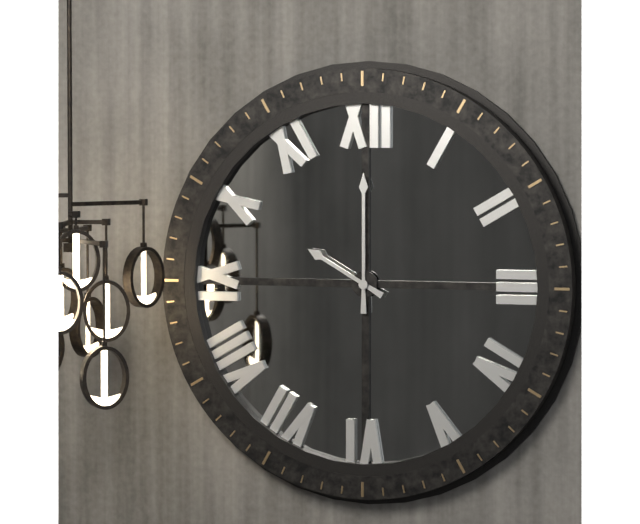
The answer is 10 h 00 min
